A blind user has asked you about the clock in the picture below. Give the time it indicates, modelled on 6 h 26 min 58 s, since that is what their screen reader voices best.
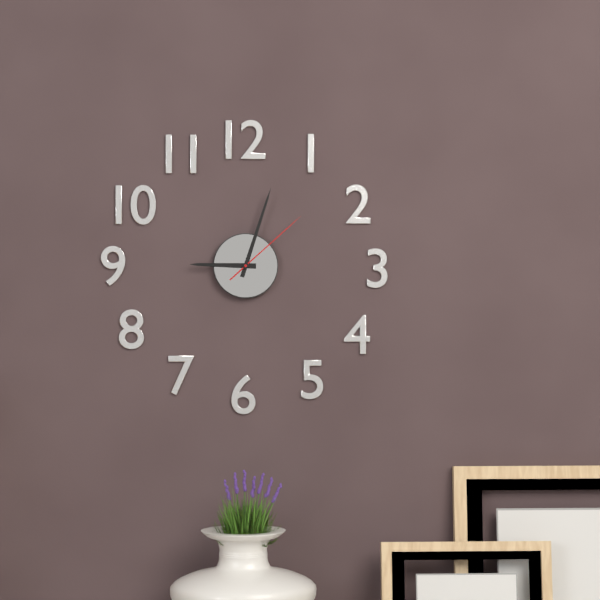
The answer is 9 h 03 min 08 s
